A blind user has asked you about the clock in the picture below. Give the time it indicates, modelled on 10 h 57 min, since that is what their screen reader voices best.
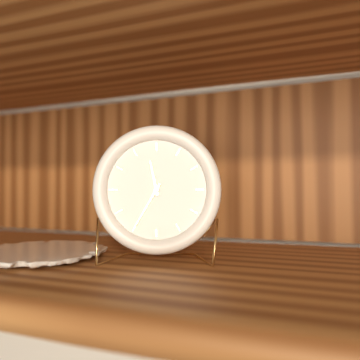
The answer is 11 h 35 min
